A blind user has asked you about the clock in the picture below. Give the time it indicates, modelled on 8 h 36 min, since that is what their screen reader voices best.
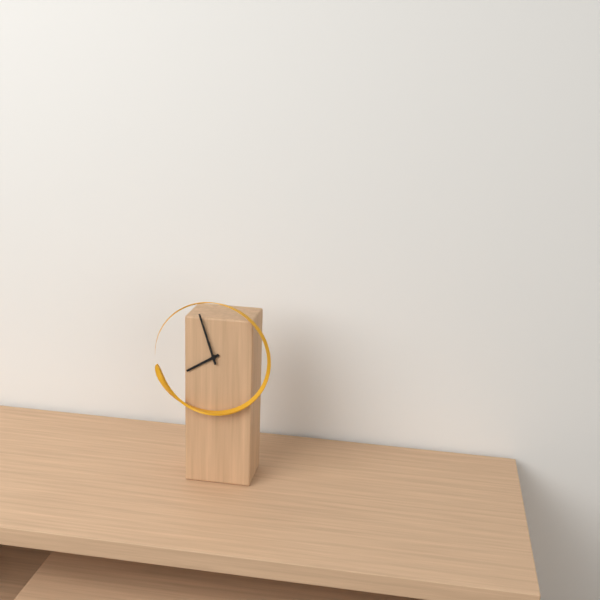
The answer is 7 h 57 min
